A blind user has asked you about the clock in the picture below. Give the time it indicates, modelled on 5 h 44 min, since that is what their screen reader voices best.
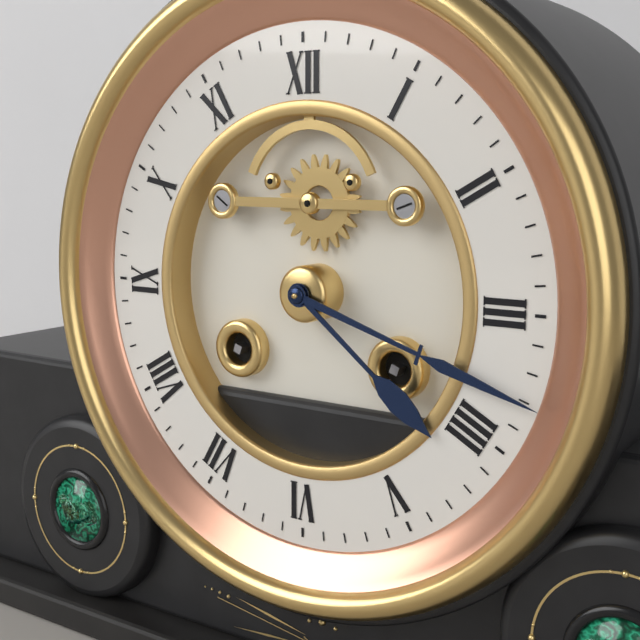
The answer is 4 h 18 min
